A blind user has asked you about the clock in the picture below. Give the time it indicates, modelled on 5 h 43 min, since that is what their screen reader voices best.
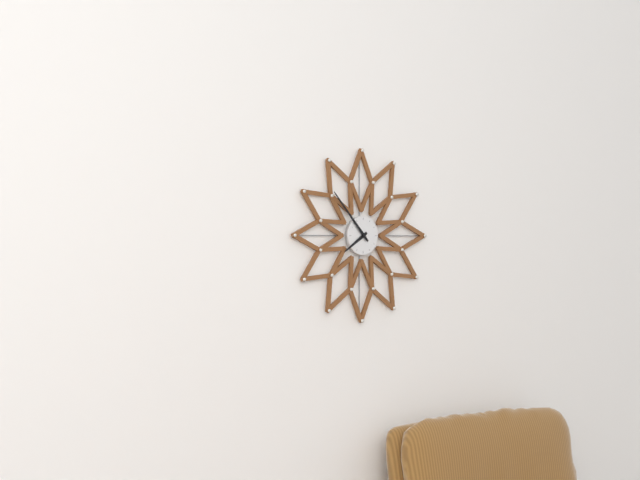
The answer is 7 h 53 min
